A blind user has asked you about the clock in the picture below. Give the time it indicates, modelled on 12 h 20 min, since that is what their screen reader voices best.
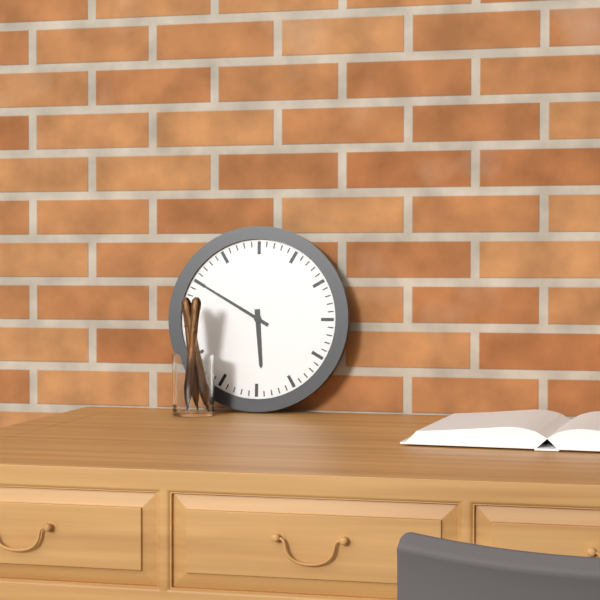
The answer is 5 h 50 min
